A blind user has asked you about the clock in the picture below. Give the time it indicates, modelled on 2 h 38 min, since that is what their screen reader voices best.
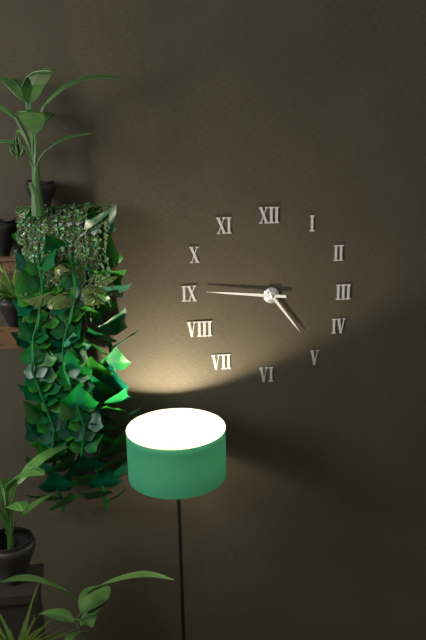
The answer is 4 h 46 min
